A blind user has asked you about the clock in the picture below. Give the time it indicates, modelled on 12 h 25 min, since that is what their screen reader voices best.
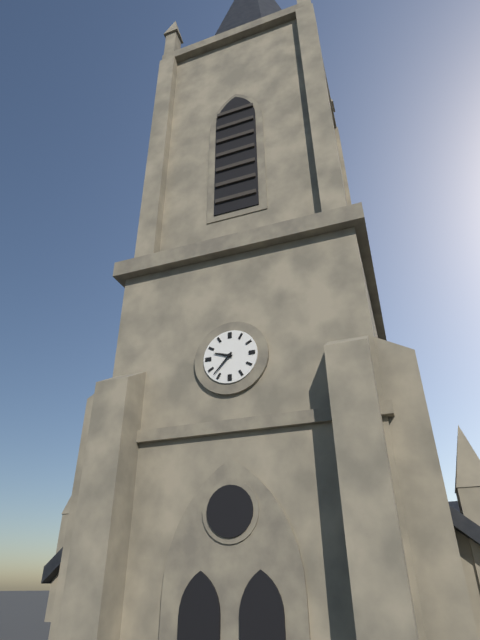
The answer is 9 h 37 min
